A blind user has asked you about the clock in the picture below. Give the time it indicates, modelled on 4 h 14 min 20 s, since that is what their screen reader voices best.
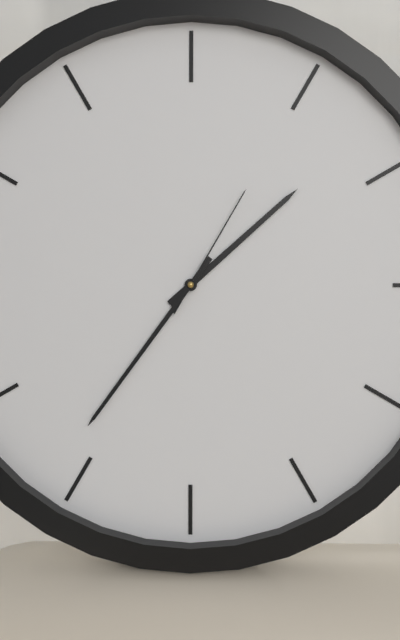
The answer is 1 h 36 min 05 s
